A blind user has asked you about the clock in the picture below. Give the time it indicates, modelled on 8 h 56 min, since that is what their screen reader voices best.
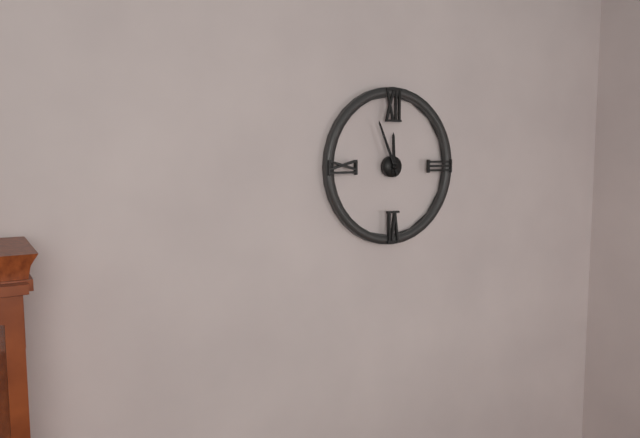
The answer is 11 h 56 min
